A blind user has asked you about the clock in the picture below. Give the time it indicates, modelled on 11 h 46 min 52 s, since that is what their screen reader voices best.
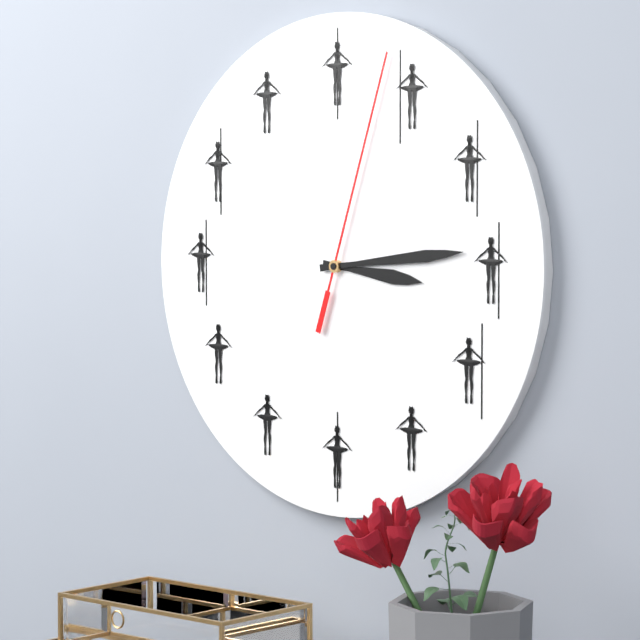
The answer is 3 h 14 min 03 s
